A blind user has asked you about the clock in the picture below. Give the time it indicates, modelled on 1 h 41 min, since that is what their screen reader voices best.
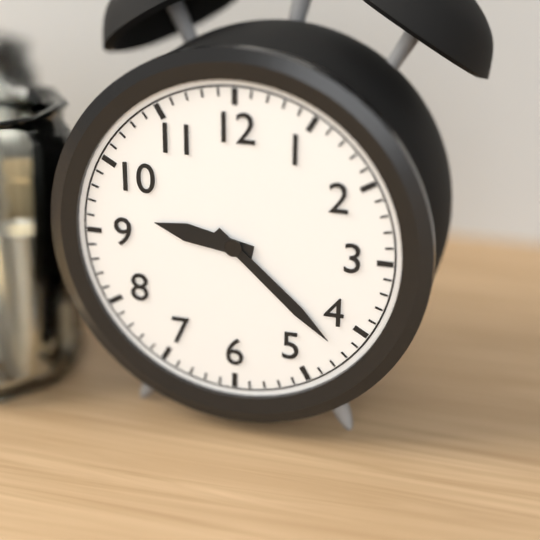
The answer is 9 h 22 min
